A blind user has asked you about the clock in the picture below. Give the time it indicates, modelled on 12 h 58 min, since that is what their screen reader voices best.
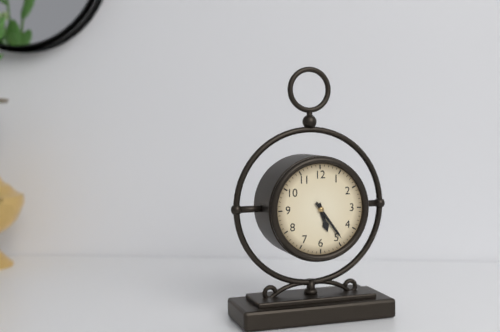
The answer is 5 h 24 min
